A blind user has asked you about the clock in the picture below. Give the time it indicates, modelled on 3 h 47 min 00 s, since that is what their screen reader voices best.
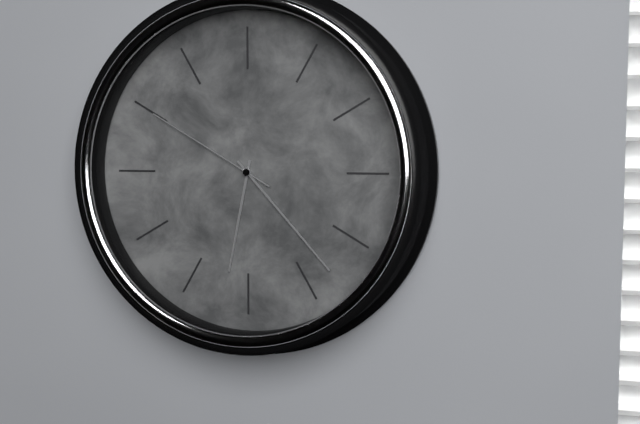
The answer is 6 h 23 min 50 s
